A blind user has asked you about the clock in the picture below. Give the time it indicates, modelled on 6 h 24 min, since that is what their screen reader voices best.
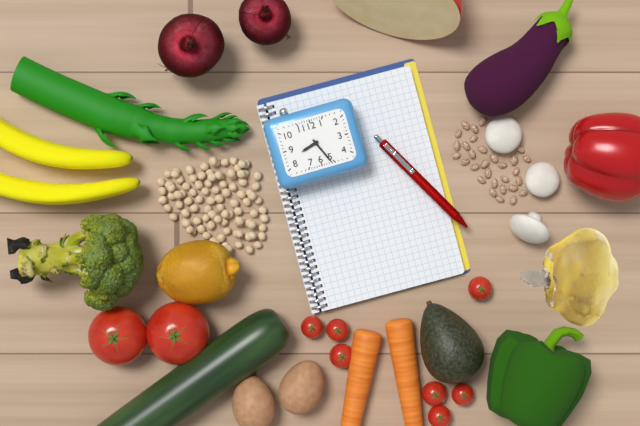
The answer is 8 h 26 min
